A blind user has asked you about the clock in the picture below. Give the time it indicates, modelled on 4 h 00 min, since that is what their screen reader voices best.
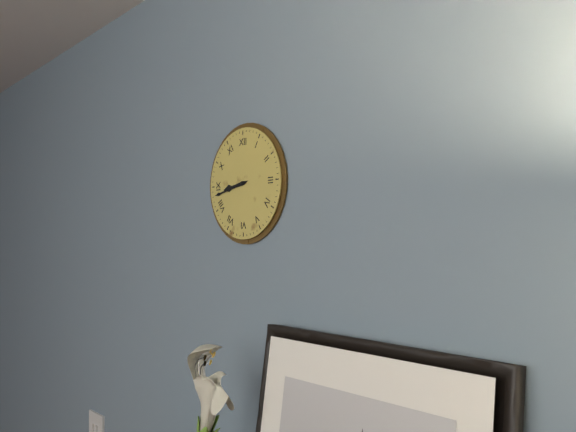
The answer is 8 h 43 min
